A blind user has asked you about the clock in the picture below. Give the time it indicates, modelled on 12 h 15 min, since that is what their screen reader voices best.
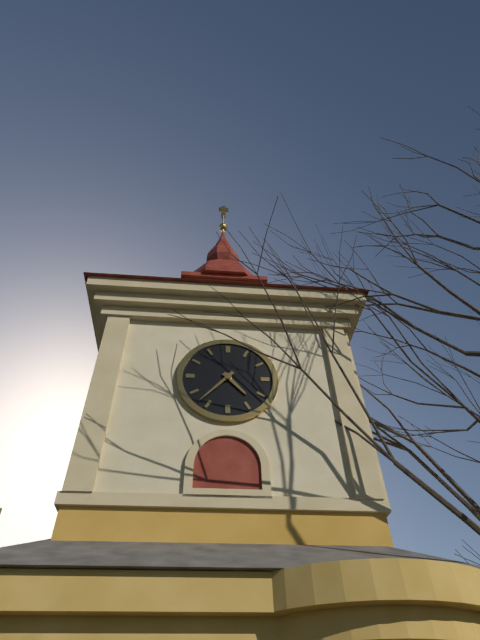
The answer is 4 h 37 min
